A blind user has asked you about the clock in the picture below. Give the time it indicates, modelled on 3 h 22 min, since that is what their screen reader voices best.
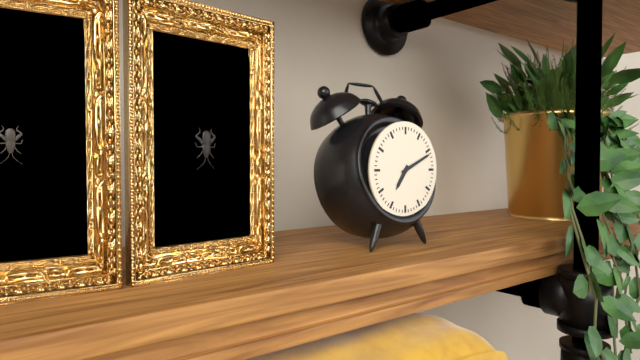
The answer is 7 h 11 min
